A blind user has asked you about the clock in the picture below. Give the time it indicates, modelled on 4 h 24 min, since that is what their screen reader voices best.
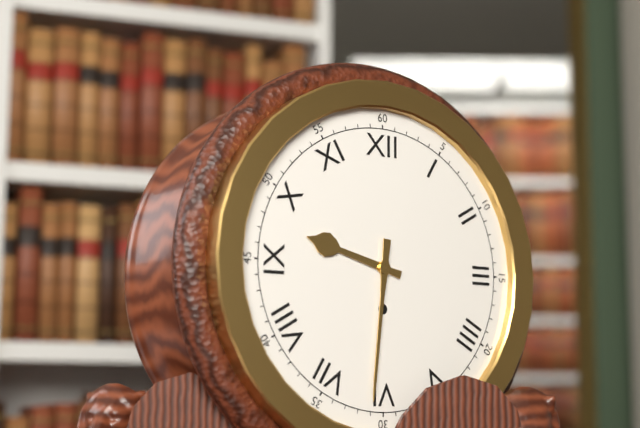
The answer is 9 h 31 min
